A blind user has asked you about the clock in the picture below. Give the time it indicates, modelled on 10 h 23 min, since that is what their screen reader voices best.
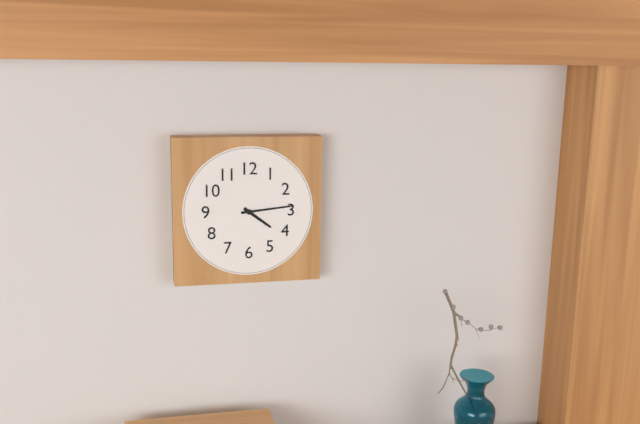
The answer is 4 h 14 min
